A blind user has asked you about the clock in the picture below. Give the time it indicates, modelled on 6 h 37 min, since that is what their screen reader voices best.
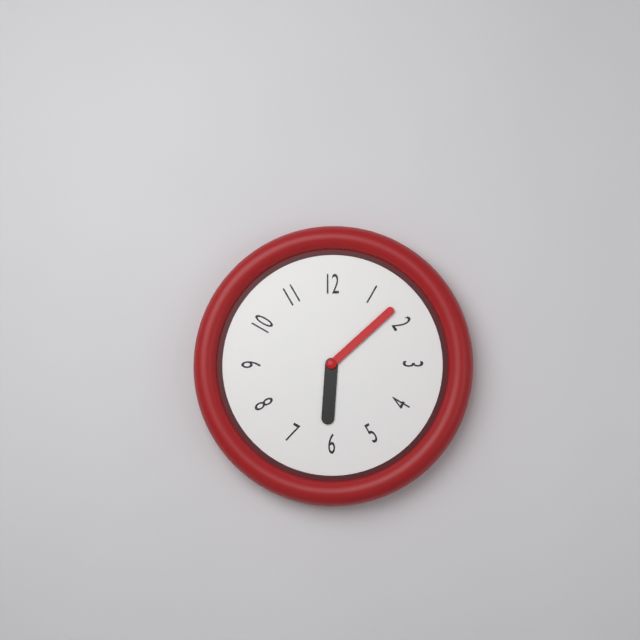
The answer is 6 h 08 min
